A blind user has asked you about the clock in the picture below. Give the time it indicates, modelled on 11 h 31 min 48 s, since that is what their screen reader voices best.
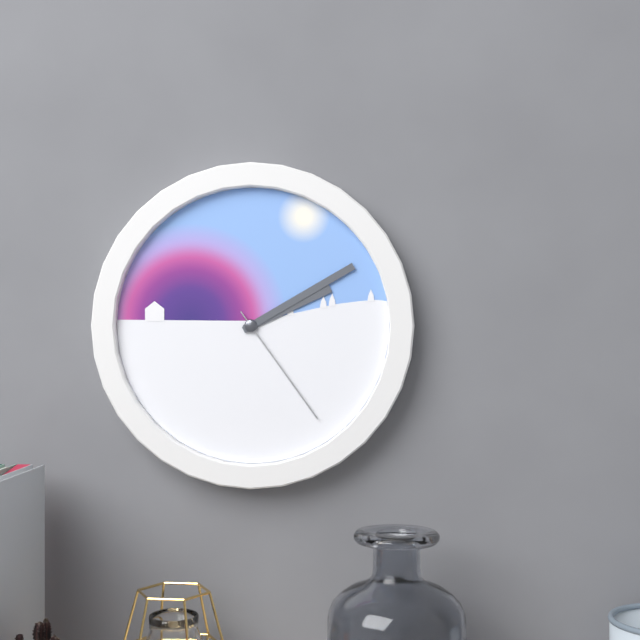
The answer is 2 h 10 min 24 s
